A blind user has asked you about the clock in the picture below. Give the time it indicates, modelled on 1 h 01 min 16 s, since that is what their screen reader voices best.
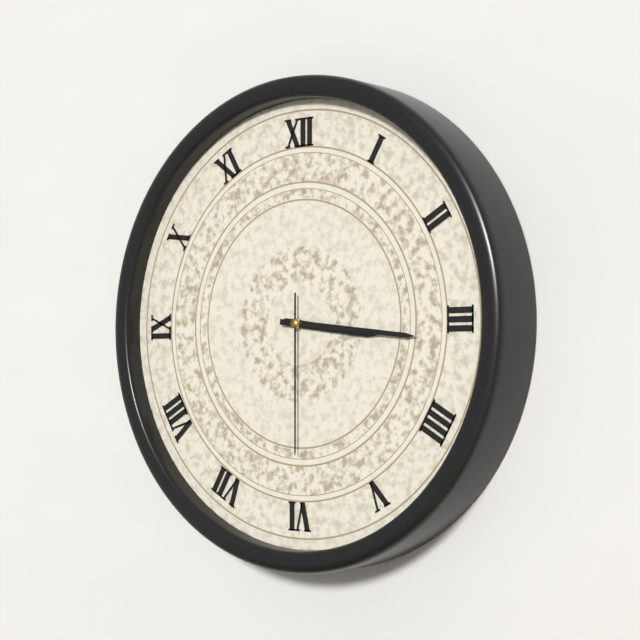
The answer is 3 h 16 min 30 s
